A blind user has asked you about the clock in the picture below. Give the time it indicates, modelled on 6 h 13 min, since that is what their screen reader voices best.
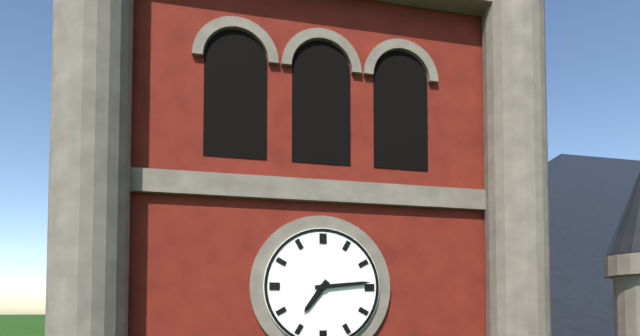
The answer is 7 h 14 min
